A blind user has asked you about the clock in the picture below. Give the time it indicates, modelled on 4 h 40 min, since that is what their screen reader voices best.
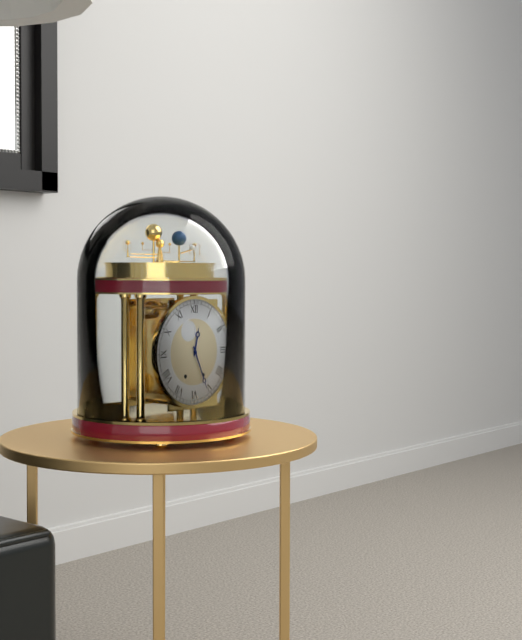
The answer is 12 h 26 min
